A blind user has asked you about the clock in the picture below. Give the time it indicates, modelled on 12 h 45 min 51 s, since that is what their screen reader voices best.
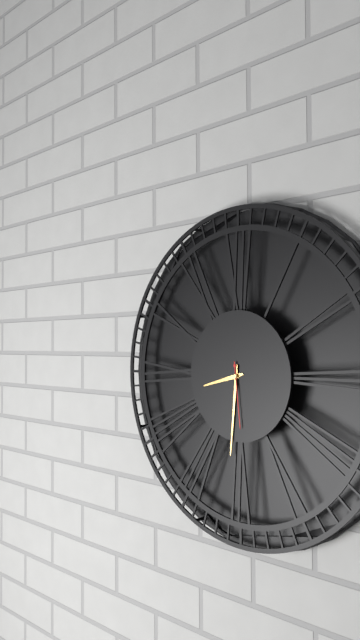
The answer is 8 h 31 min 29 s
